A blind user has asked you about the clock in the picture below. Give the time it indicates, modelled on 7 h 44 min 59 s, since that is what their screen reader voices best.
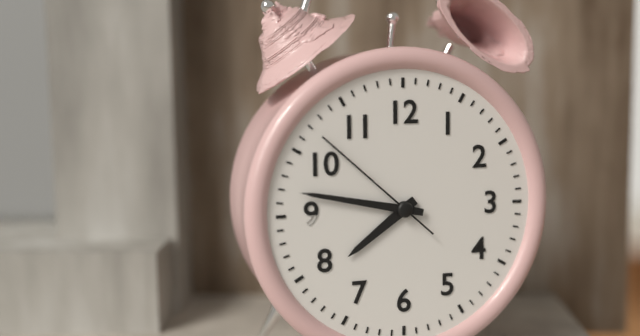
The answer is 7 h 47 min 52 s
